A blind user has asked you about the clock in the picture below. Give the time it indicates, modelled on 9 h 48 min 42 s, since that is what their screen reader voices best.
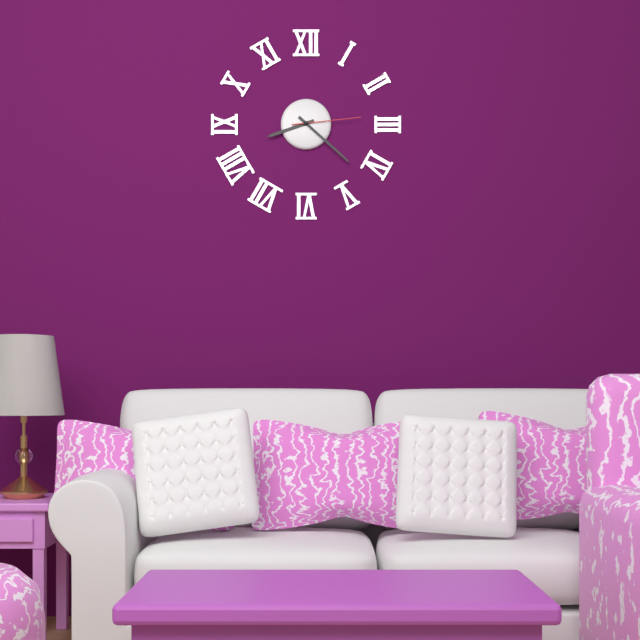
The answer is 8 h 22 min 14 s
